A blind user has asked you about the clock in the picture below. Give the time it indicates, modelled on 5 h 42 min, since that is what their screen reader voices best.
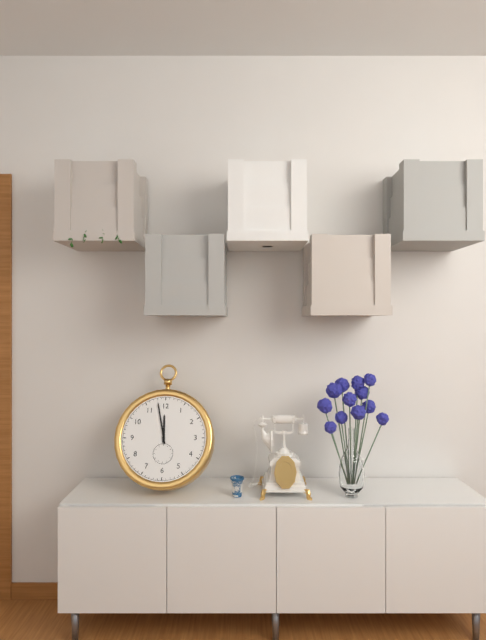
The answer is 11 h 58 min
